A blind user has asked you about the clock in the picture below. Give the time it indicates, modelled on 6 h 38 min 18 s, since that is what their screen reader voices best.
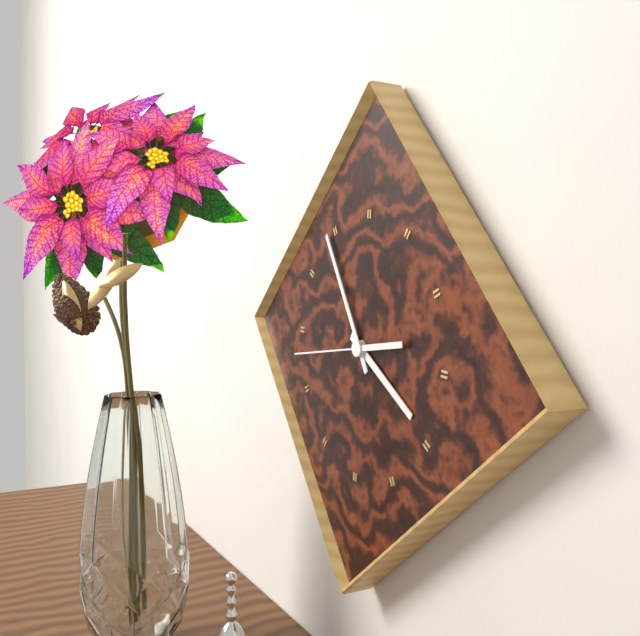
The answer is 3 h 54 min 43 s
